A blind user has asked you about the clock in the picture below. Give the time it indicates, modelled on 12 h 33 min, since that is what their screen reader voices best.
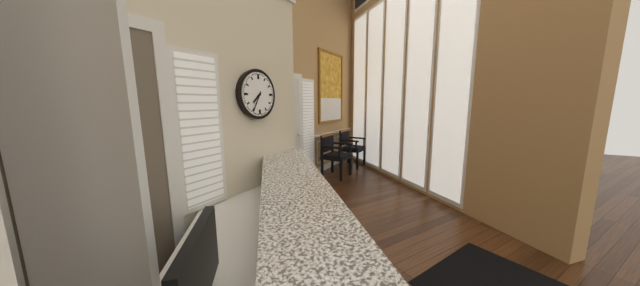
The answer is 7 h 35 min
